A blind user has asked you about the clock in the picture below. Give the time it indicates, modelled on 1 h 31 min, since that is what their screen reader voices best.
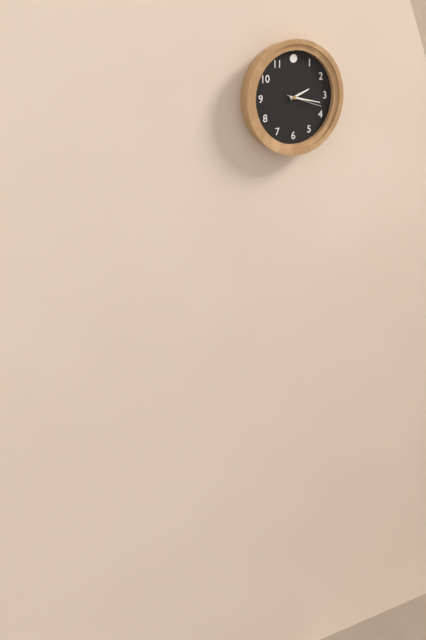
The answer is 2 h 17 min
